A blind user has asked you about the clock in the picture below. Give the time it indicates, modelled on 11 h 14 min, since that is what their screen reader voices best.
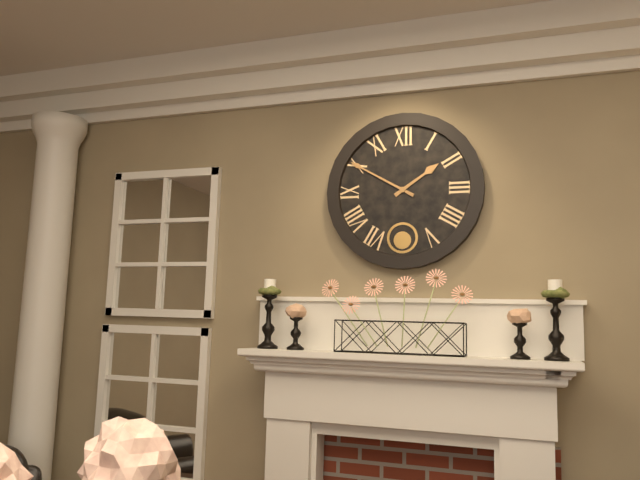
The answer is 1 h 50 min
